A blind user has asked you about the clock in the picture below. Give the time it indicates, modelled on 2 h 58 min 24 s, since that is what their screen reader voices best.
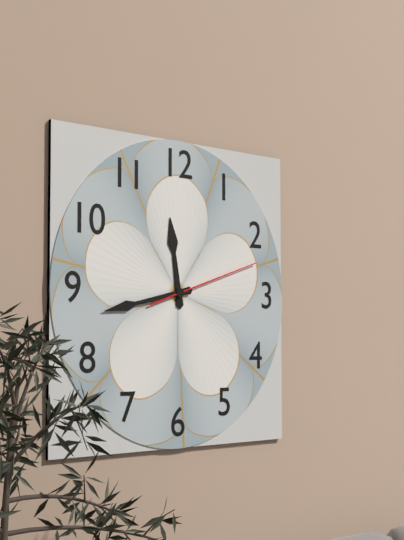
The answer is 11 h 43 min 12 s
